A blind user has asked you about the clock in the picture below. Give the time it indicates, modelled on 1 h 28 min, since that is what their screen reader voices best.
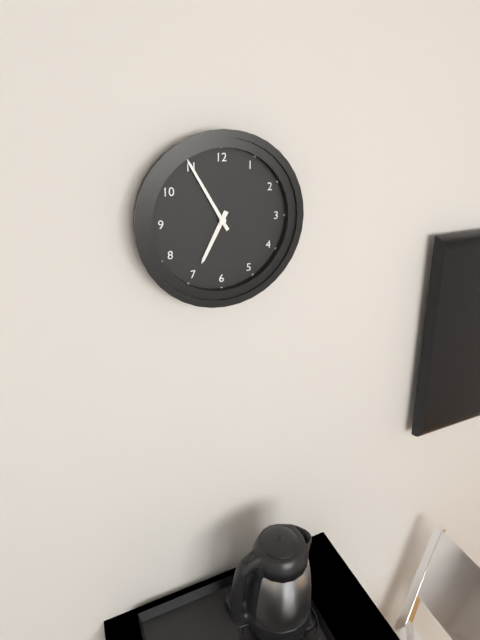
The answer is 6 h 55 min
